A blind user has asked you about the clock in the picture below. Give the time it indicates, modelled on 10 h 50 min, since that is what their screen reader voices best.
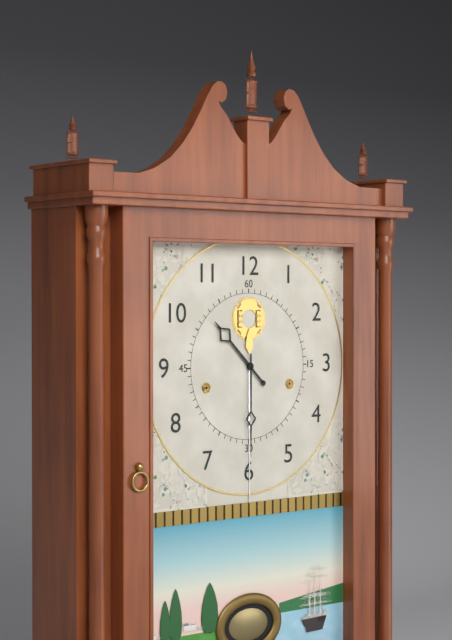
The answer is 10 h 30 min
